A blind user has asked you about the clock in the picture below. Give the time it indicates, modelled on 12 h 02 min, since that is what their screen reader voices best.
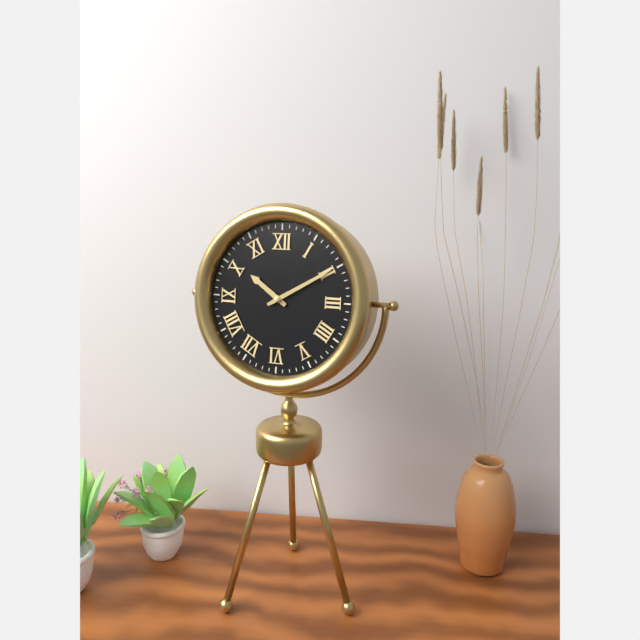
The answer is 10 h 10 min
